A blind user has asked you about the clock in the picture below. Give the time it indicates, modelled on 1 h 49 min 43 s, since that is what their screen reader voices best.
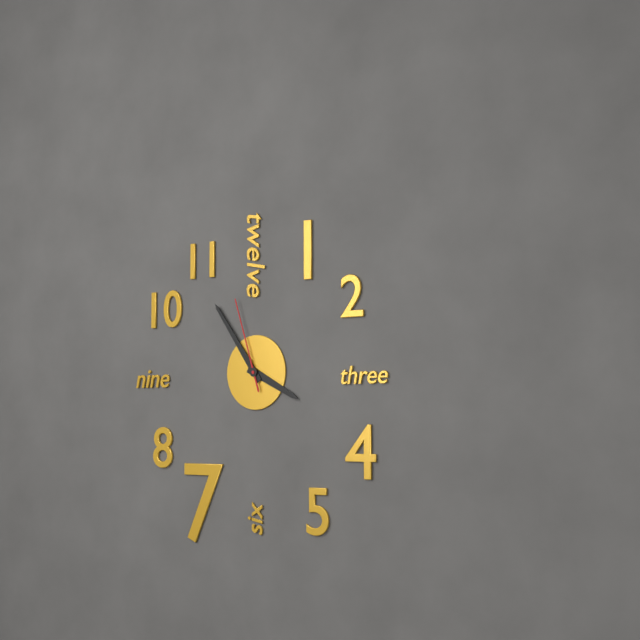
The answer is 3 h 54 min 57 s
